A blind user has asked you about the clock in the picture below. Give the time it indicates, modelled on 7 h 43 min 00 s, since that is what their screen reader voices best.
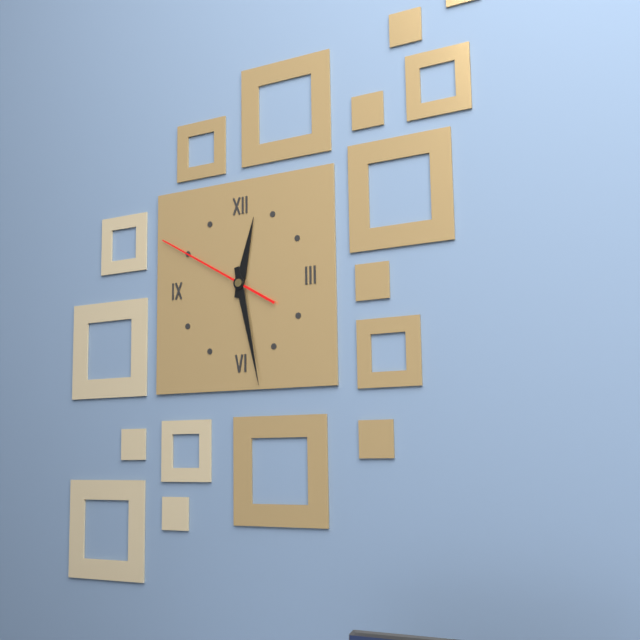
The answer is 12 h 28 min 50 s
